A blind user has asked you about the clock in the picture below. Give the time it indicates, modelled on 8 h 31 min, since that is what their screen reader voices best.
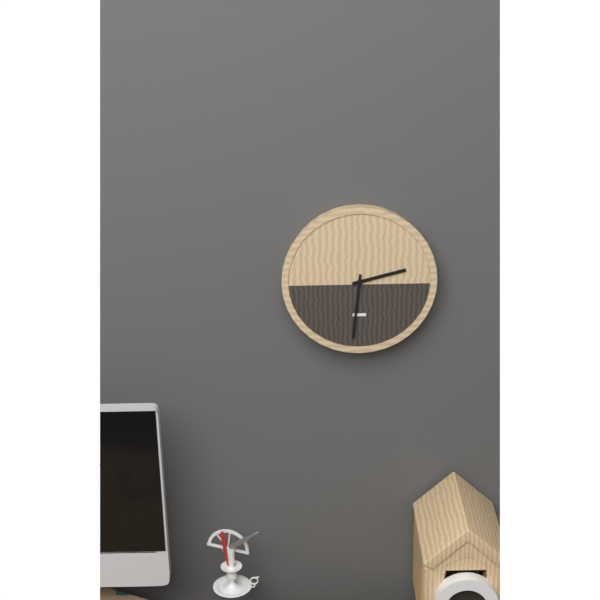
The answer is 2 h 31 min
